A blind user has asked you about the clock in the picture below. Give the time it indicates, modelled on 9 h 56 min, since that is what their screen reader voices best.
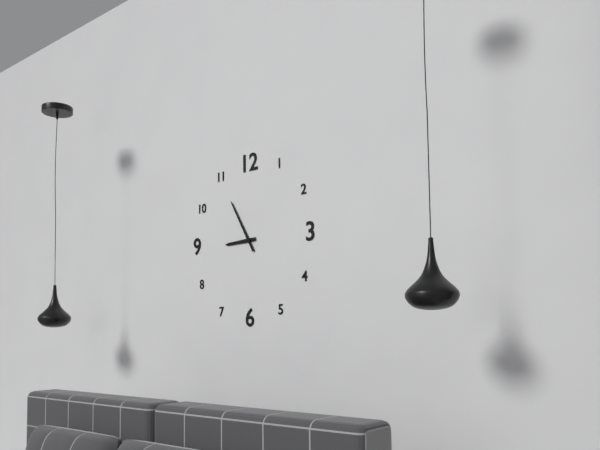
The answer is 8 h 55 min
